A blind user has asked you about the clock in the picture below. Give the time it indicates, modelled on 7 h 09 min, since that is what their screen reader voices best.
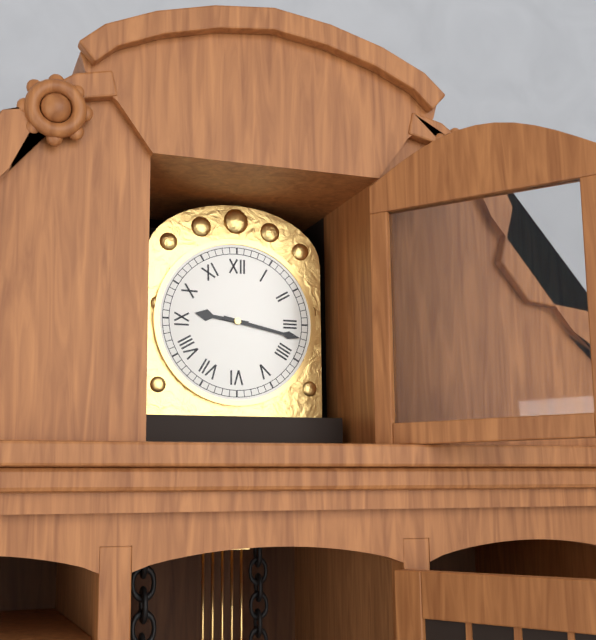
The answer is 9 h 17 min
